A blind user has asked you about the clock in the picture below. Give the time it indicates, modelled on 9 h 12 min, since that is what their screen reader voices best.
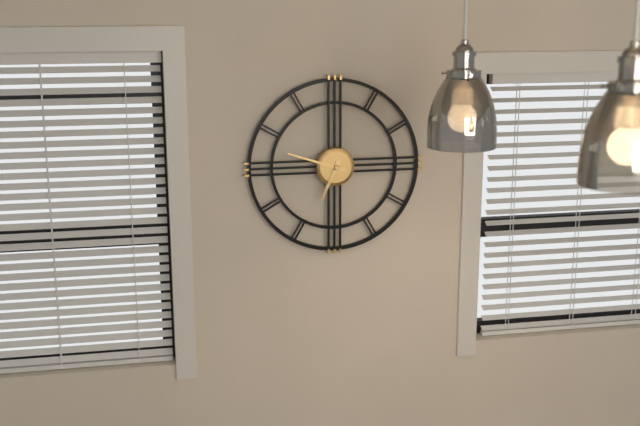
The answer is 6 h 48 min
